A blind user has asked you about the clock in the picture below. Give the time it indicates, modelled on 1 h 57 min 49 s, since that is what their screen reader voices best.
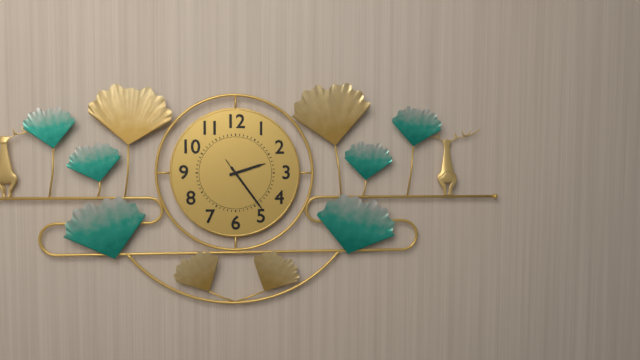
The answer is 2 h 24 min 24 s
